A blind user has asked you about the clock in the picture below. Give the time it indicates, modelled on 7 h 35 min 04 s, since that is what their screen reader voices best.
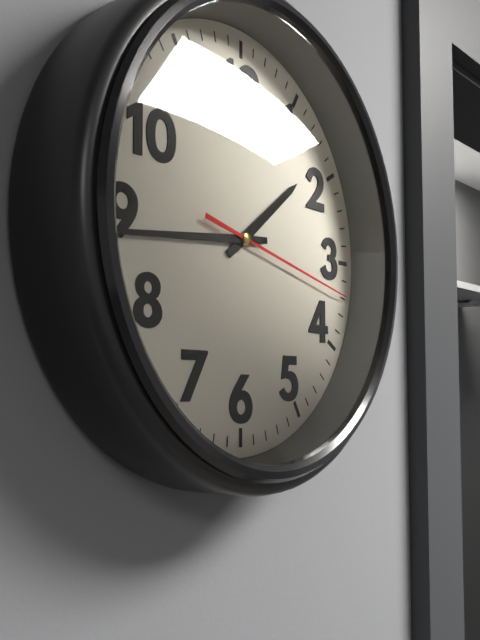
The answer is 1 h 44 min 17 s
